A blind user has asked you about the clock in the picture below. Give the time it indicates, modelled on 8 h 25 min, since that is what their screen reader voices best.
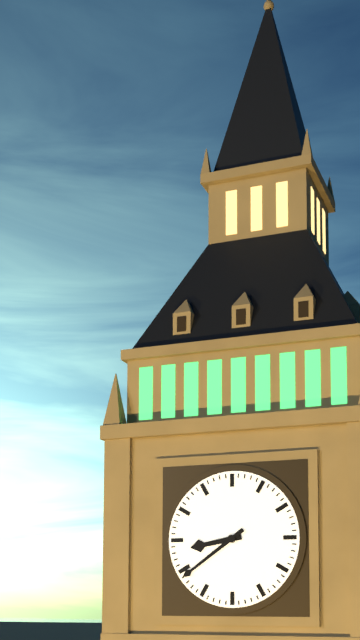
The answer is 8 h 39 min
